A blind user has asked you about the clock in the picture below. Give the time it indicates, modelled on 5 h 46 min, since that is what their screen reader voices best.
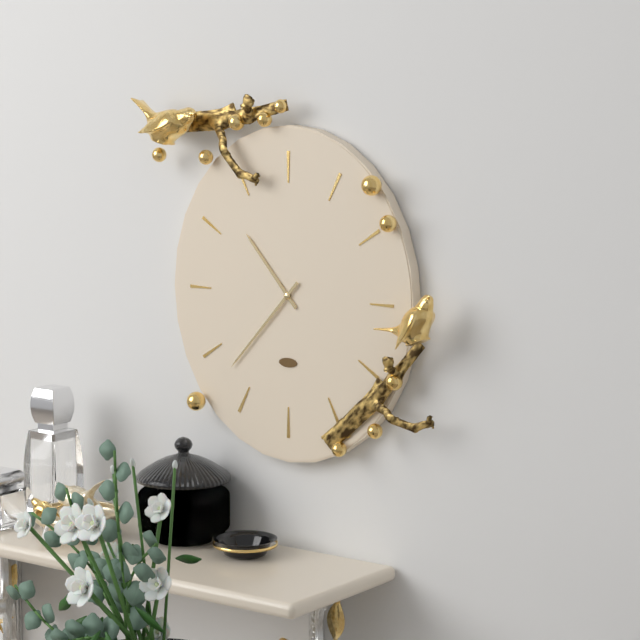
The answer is 10 h 37 min
